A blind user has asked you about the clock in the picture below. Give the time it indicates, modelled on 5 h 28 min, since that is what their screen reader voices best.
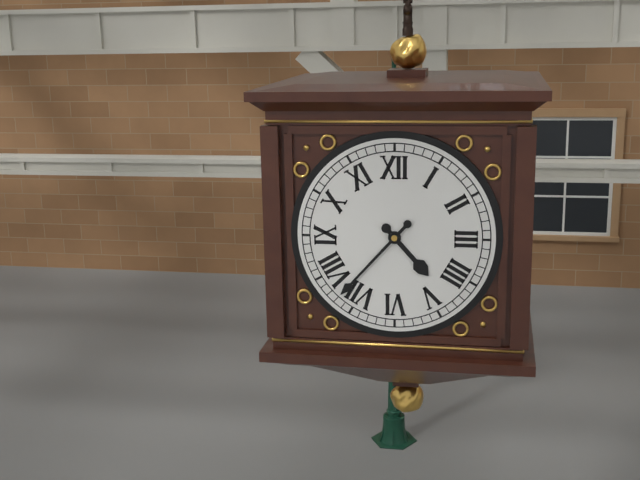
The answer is 4 h 37 min
